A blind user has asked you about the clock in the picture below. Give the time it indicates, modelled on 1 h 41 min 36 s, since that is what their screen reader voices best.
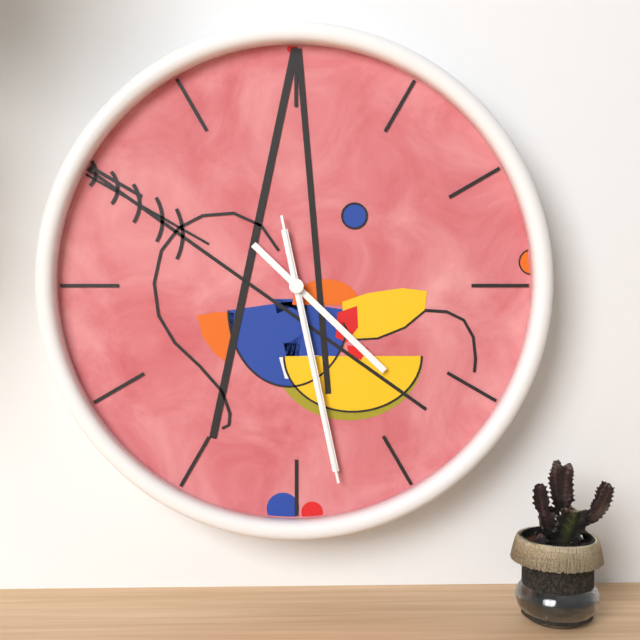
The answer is 4 h 28 min 28 s
